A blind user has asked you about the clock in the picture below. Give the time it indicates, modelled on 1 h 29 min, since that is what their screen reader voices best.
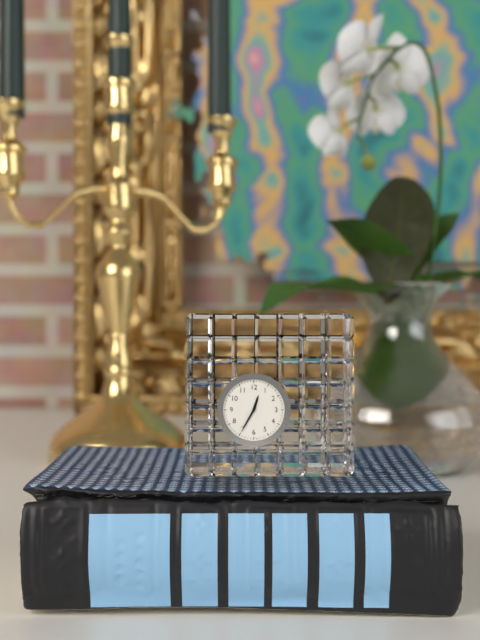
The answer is 12 h 35 min
